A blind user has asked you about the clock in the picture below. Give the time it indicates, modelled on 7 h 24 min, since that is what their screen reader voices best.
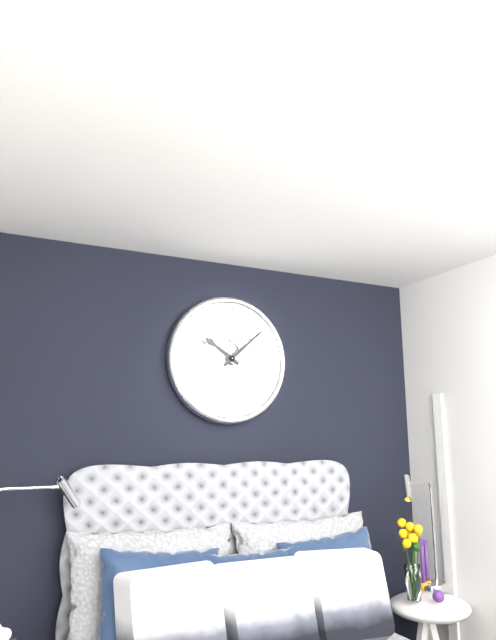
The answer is 10 h 08 min
